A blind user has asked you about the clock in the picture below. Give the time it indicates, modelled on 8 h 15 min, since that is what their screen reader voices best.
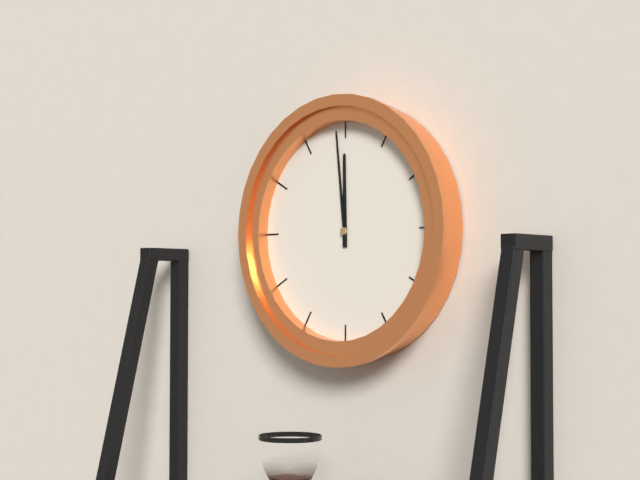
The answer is 11 h 59 min
